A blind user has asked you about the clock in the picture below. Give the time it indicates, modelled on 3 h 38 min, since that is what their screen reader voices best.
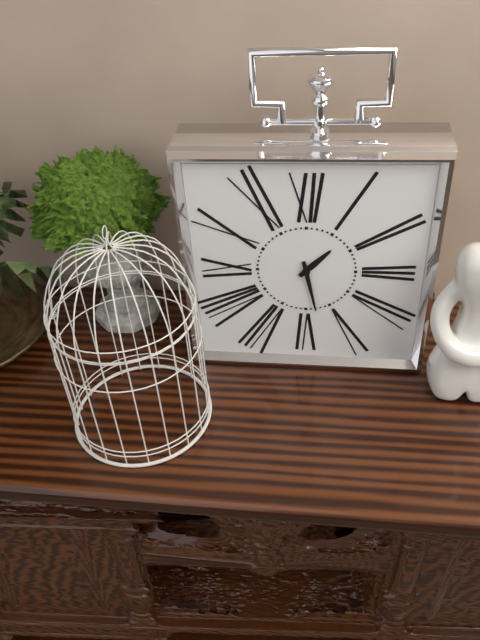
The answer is 1 h 28 min
